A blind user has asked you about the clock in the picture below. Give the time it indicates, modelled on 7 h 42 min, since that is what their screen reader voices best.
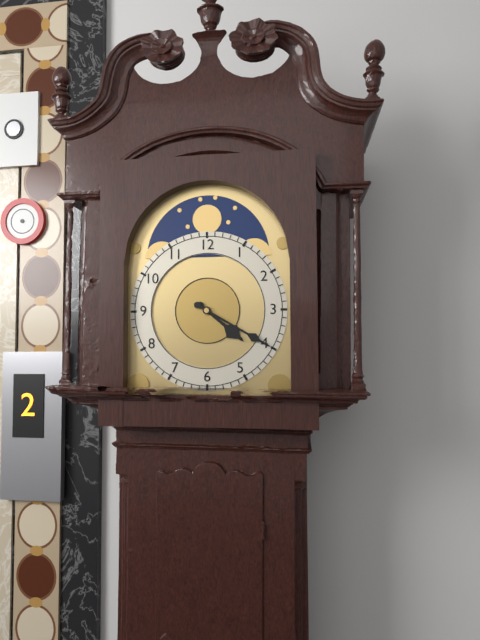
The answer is 4 h 20 min
